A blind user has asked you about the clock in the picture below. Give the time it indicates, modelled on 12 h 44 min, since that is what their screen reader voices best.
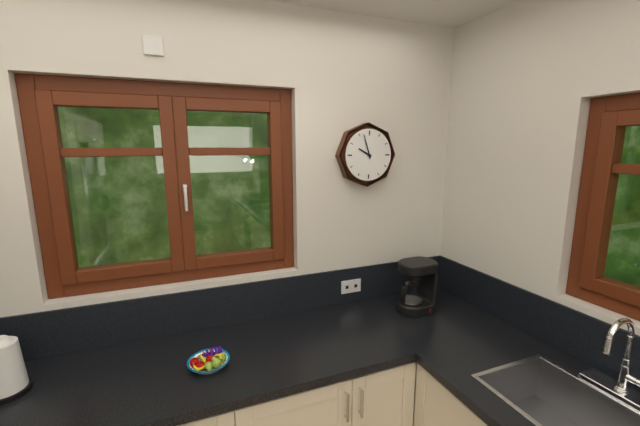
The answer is 9 h 57 min
